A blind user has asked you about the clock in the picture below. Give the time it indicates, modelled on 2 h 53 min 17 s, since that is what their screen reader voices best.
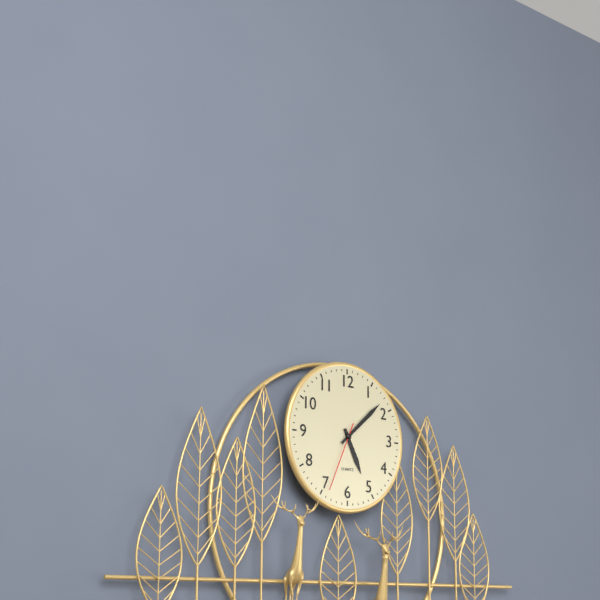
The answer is 5 h 08 min 34 s
